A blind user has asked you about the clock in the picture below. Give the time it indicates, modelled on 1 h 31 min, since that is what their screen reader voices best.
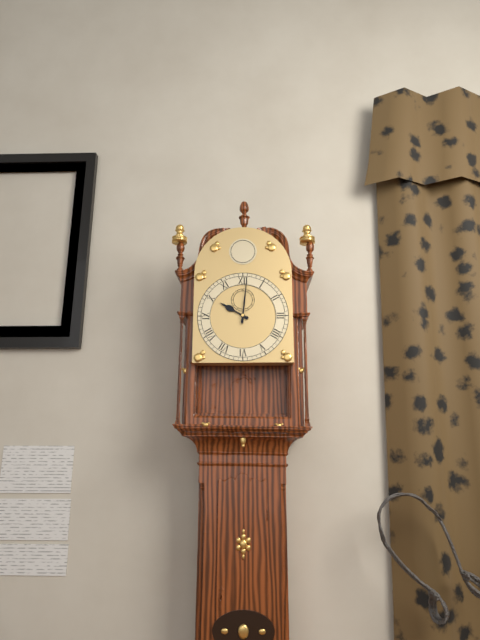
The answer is 10 h 01 min
